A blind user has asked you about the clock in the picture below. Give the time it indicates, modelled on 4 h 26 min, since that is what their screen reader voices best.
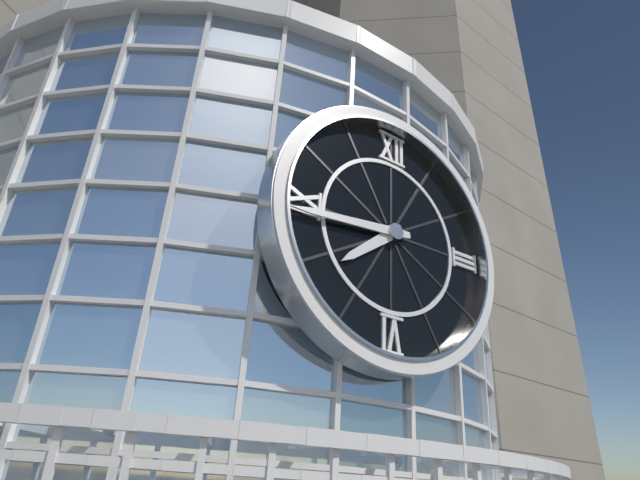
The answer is 7 h 44 min
